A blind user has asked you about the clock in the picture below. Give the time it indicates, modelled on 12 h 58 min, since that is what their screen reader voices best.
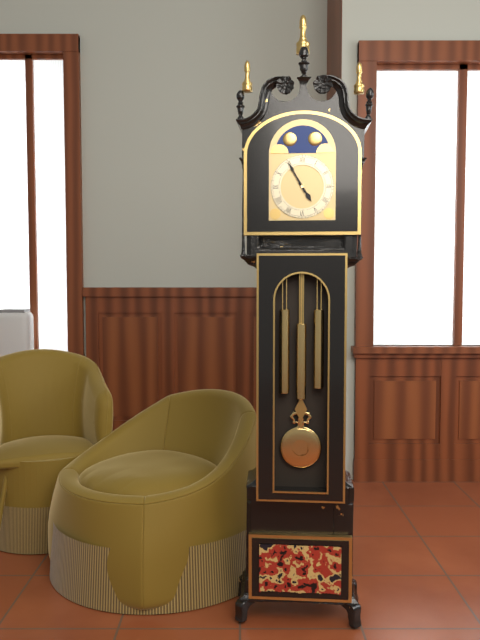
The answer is 4 h 55 min
